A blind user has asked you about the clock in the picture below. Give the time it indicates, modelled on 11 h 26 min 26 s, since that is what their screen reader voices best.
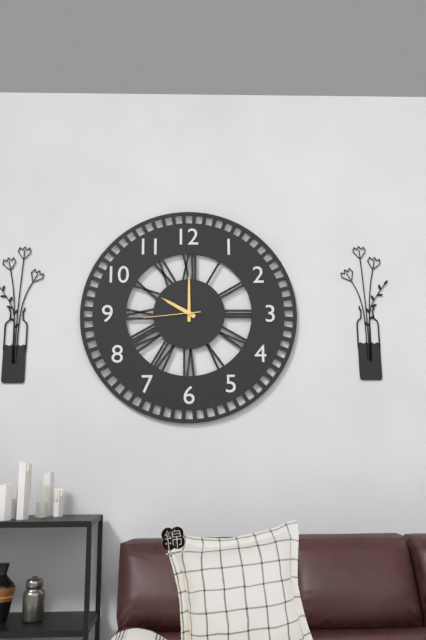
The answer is 10 h 00 min 44 s
